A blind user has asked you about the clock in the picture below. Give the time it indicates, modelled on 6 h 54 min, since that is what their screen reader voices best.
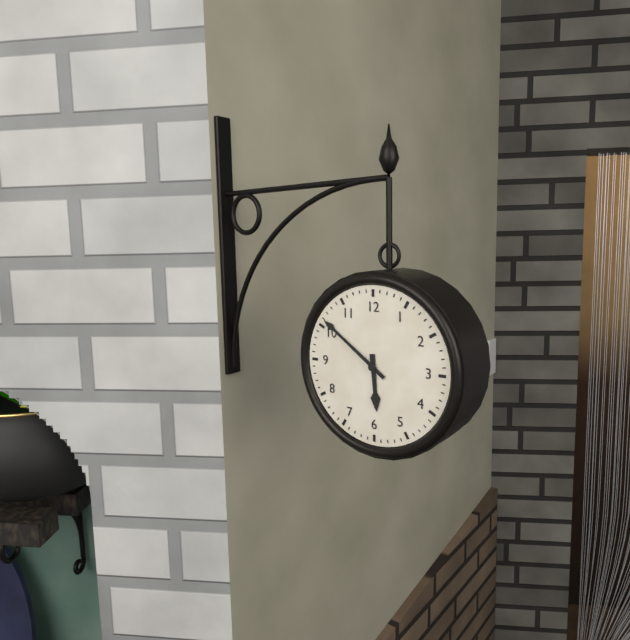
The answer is 5 h 51 min
